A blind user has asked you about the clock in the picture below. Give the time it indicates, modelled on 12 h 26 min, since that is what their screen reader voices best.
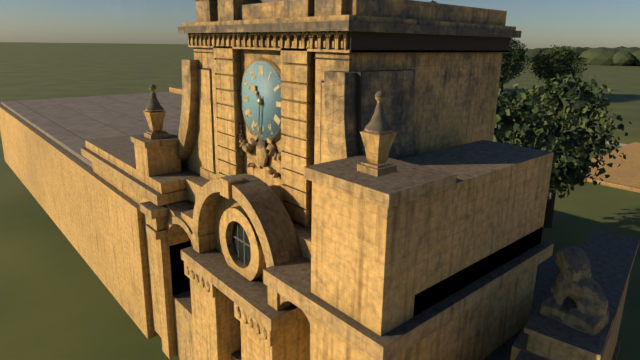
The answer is 10 h 31 min
